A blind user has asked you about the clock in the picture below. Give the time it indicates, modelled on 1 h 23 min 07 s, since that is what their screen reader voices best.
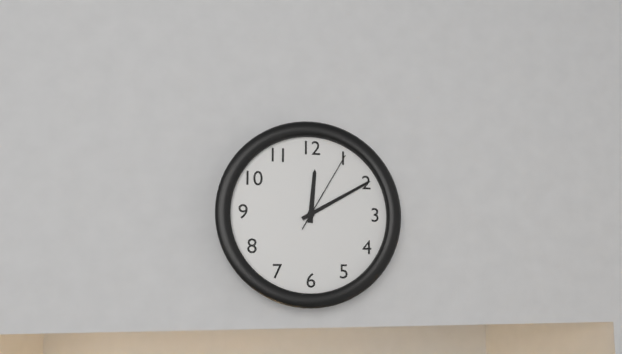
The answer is 12 h 10 min 05 s
